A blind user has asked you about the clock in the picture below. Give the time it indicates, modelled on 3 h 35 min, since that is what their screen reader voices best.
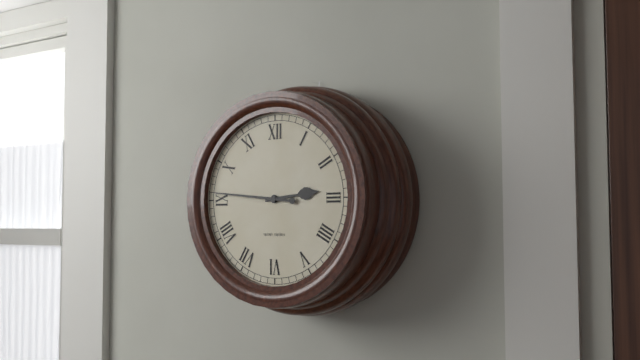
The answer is 2 h 46 min
